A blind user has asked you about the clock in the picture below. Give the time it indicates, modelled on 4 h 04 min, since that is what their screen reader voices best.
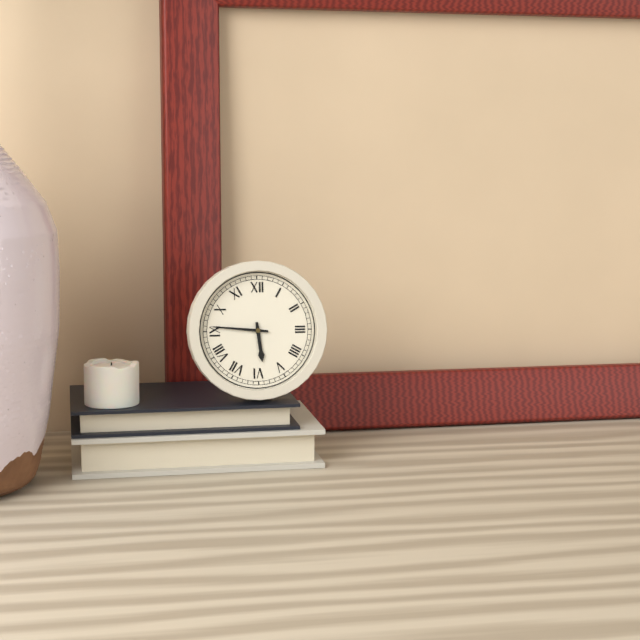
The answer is 5 h 46 min
